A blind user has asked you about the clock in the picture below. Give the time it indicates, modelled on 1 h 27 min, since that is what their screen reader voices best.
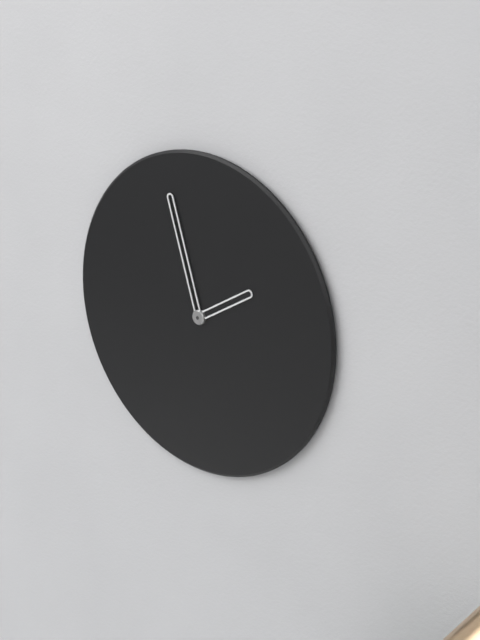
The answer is 1 h 57 min
